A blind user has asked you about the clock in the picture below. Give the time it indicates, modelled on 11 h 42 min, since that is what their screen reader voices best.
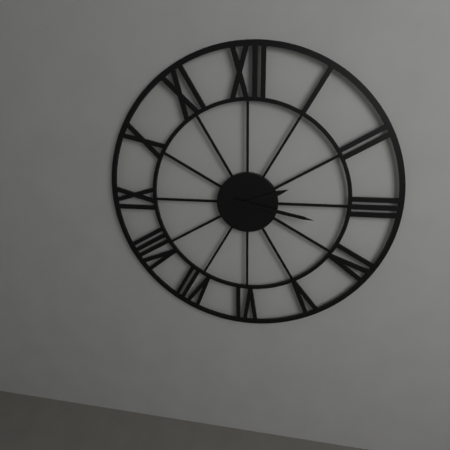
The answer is 2 h 17 min
